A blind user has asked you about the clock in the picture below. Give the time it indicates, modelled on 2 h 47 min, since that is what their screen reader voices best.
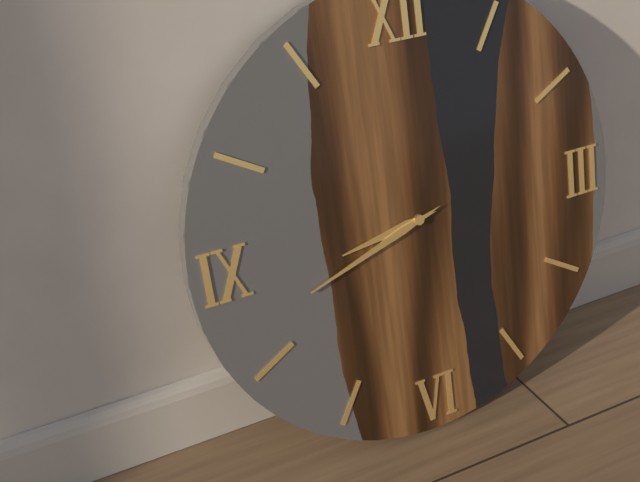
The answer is 8 h 42 min
